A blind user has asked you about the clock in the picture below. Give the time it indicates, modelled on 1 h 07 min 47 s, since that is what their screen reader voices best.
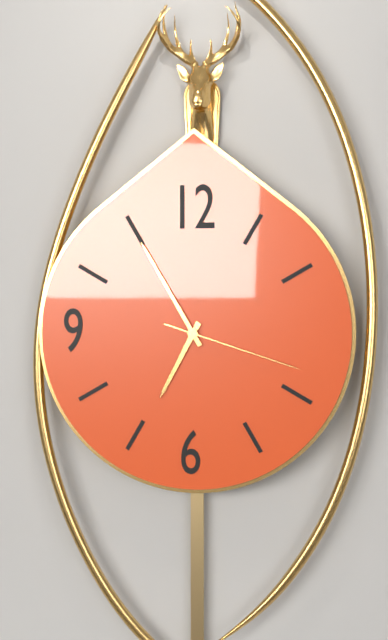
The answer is 6 h 55 min 18 s
